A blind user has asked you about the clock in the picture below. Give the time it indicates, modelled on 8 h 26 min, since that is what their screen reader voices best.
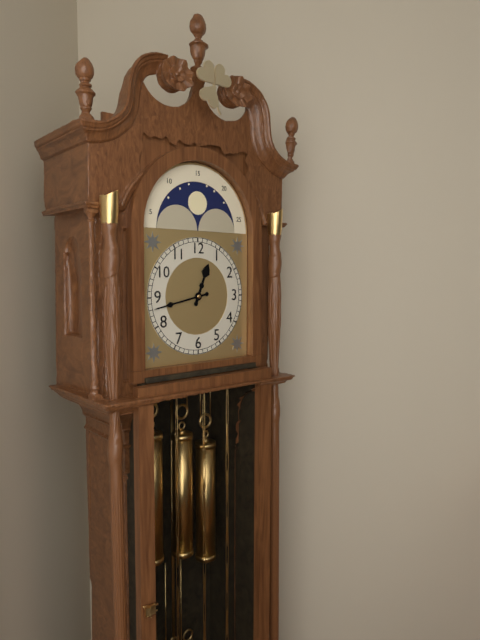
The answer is 12 h 43 min
